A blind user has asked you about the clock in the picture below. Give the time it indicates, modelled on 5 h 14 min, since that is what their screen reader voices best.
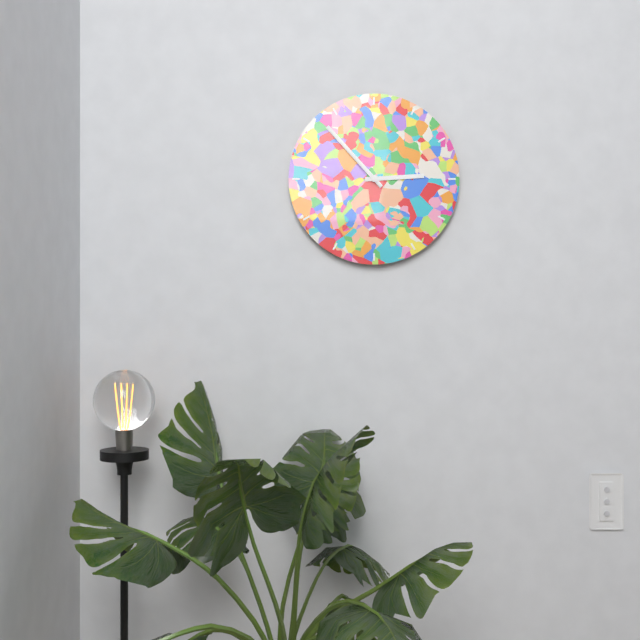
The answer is 2 h 53 min
